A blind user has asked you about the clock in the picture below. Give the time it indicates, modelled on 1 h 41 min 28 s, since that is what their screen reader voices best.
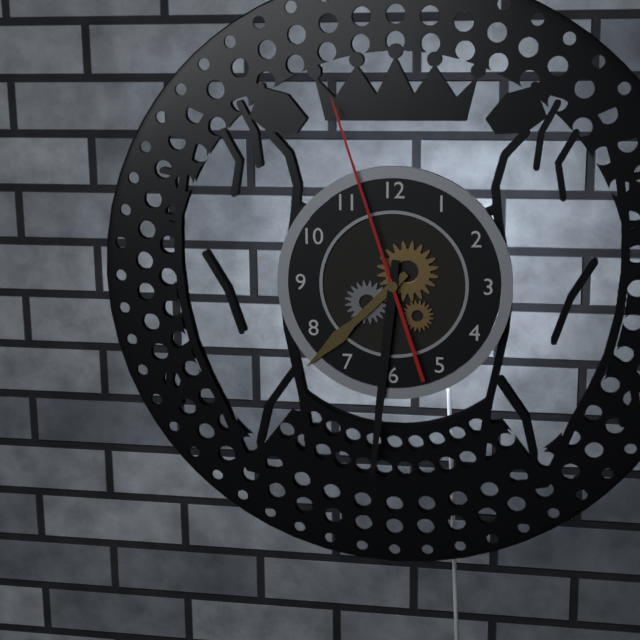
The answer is 7 h 31 min 57 s
